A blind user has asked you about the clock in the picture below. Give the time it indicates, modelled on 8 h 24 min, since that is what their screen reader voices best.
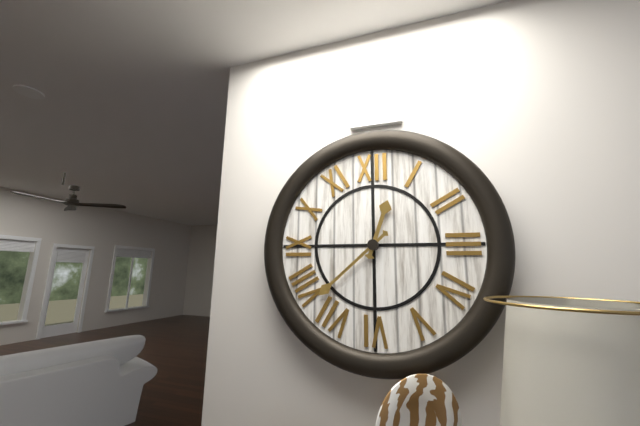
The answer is 12 h 38 min
